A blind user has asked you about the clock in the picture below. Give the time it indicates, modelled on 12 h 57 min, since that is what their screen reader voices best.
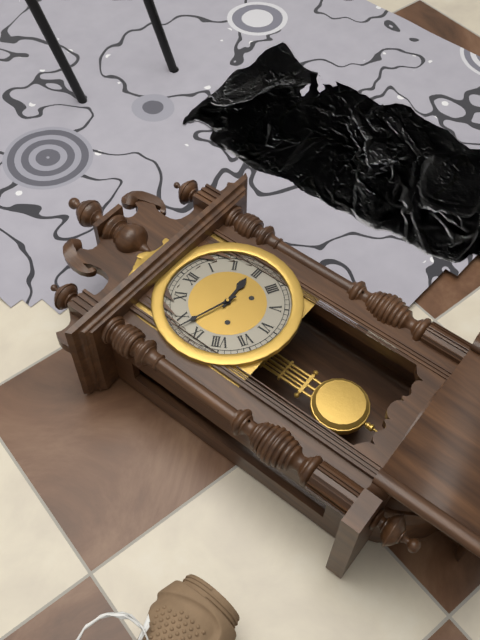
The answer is 2 h 48 min
